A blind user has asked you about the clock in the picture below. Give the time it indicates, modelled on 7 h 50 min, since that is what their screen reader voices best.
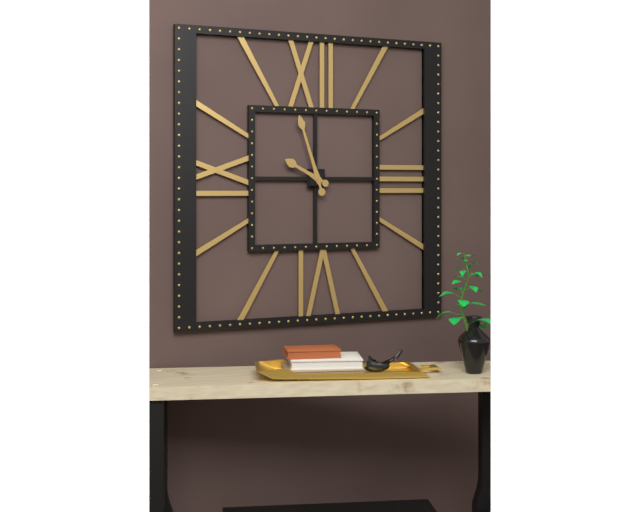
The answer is 9 h 57 min
